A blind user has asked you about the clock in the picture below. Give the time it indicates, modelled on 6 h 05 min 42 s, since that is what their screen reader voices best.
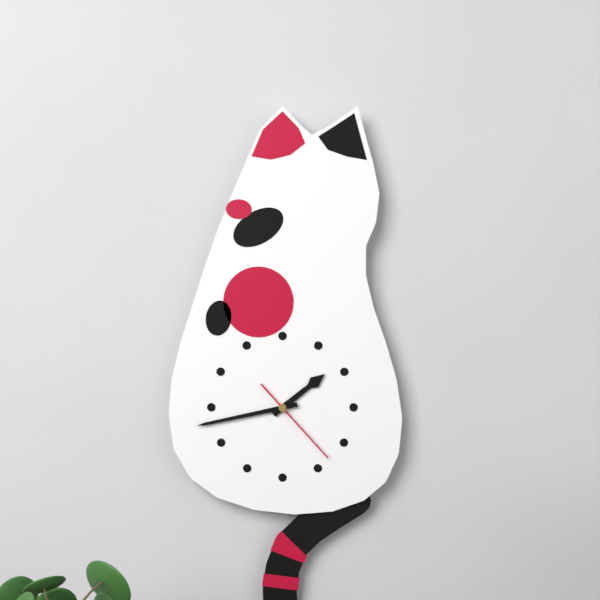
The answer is 1 h 43 min 23 s
